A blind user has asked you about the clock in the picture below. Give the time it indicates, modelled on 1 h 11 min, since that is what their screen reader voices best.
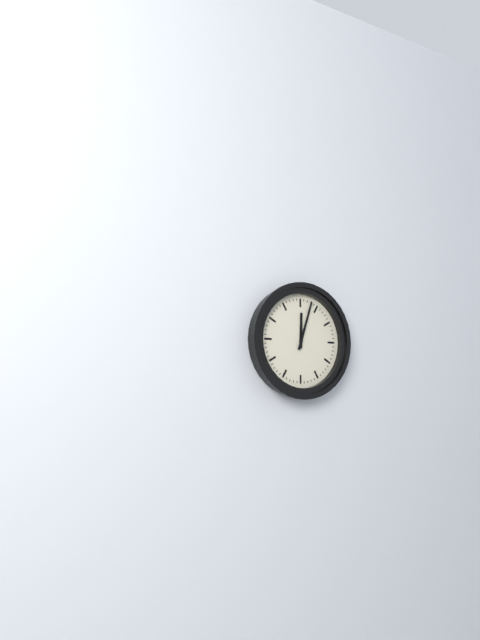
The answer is 12 h 03 min
